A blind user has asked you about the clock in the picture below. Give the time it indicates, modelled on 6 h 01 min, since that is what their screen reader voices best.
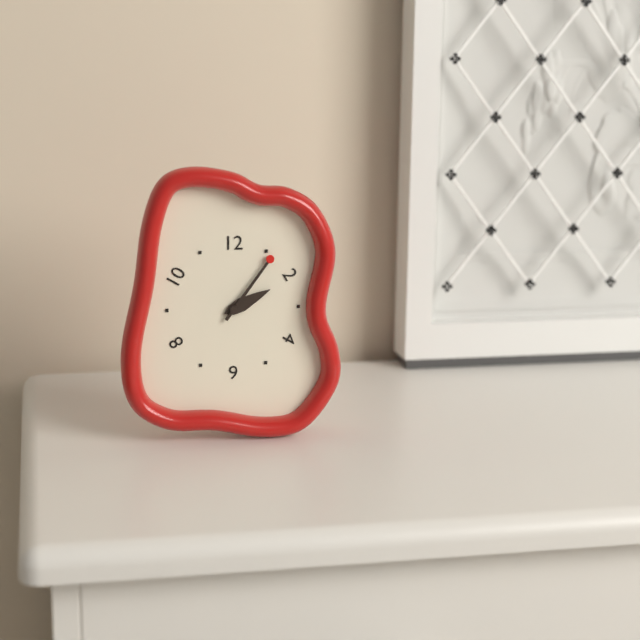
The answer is 2 h 06 min
